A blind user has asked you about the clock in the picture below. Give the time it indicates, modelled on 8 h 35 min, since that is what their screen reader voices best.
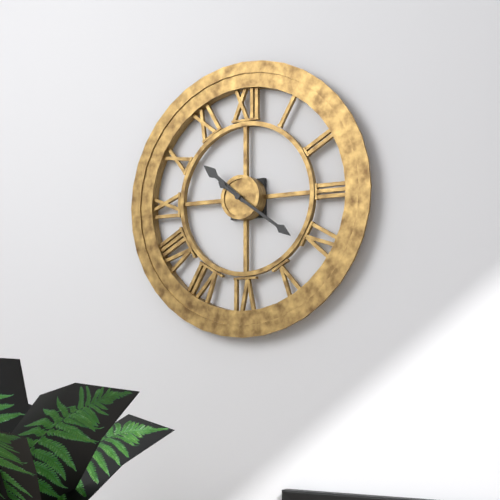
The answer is 10 h 21 min
